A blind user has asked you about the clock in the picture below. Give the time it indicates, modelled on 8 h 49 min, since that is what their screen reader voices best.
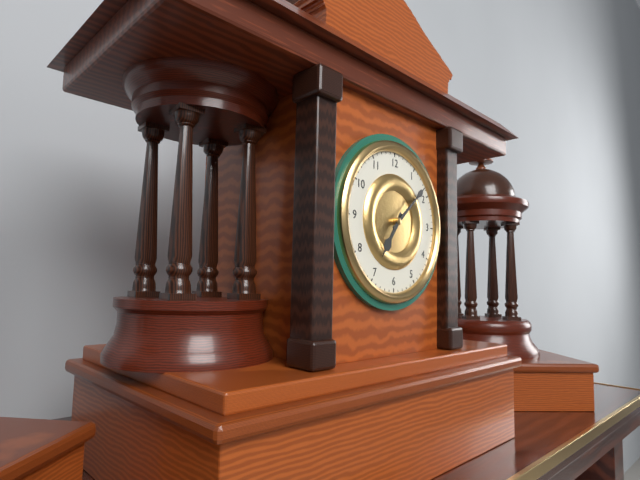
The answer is 7 h 08 min
